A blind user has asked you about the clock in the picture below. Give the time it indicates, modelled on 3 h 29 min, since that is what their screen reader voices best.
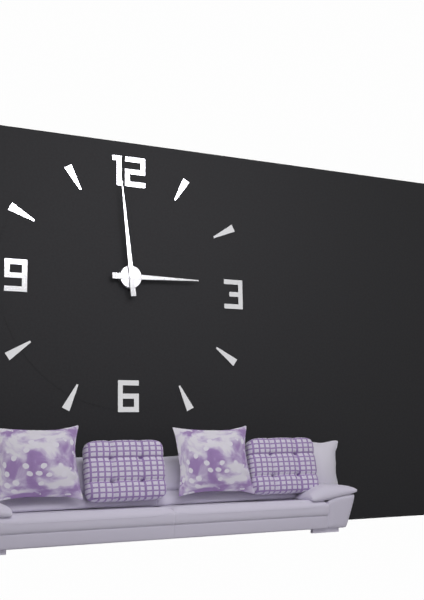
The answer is 2 h 59 min
